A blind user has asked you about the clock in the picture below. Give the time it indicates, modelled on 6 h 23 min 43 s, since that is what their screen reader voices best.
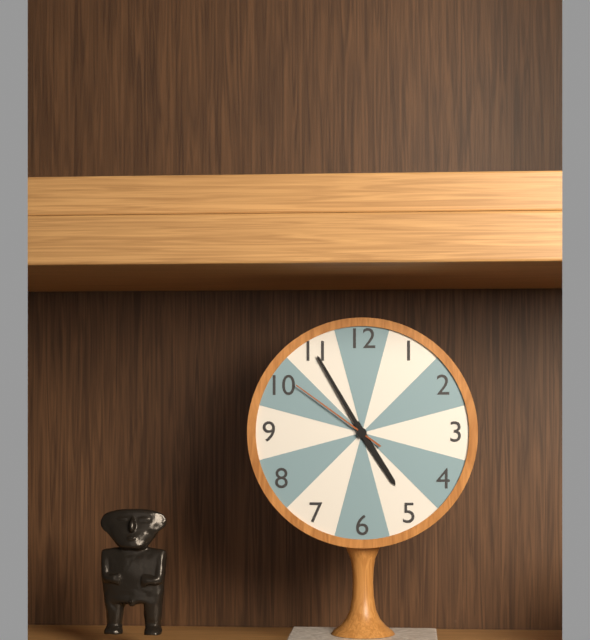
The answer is 4 h 55 min 51 s
